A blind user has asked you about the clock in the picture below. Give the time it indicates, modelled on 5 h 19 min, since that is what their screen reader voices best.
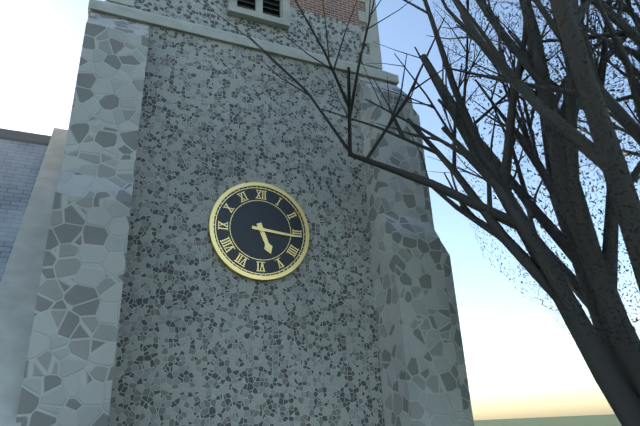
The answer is 5 h 16 min
